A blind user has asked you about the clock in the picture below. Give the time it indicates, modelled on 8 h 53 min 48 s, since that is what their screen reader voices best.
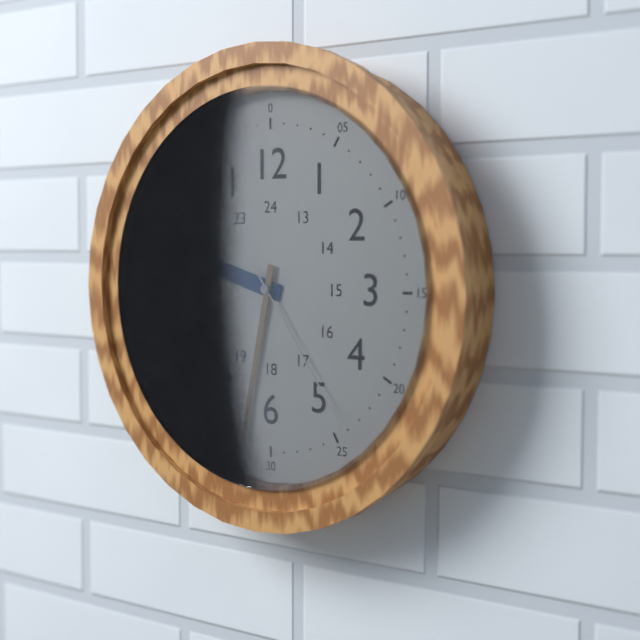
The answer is 9 h 32 min 24 s
